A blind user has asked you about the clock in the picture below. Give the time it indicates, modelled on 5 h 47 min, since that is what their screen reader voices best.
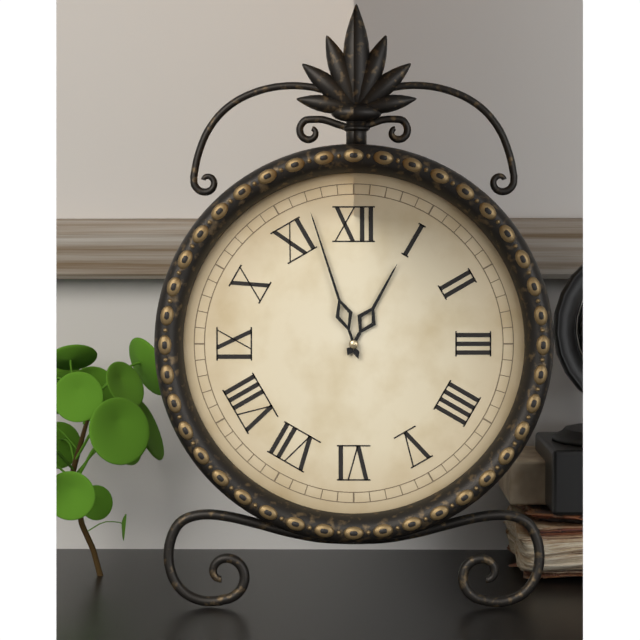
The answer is 12 h 57 min
